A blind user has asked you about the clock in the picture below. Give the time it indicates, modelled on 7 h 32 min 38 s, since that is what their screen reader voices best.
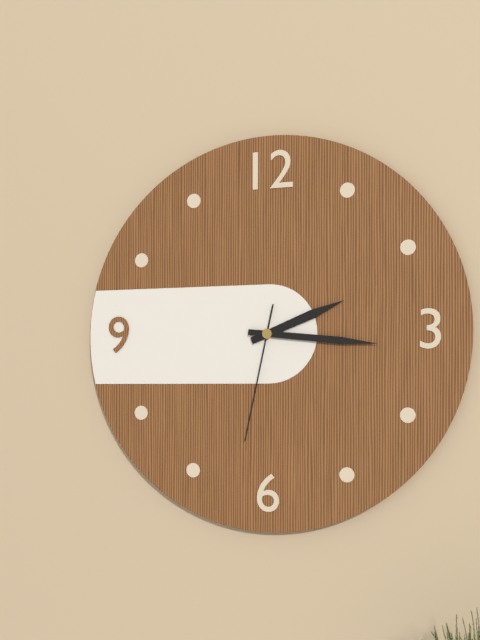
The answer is 2 h 16 min 32 s
